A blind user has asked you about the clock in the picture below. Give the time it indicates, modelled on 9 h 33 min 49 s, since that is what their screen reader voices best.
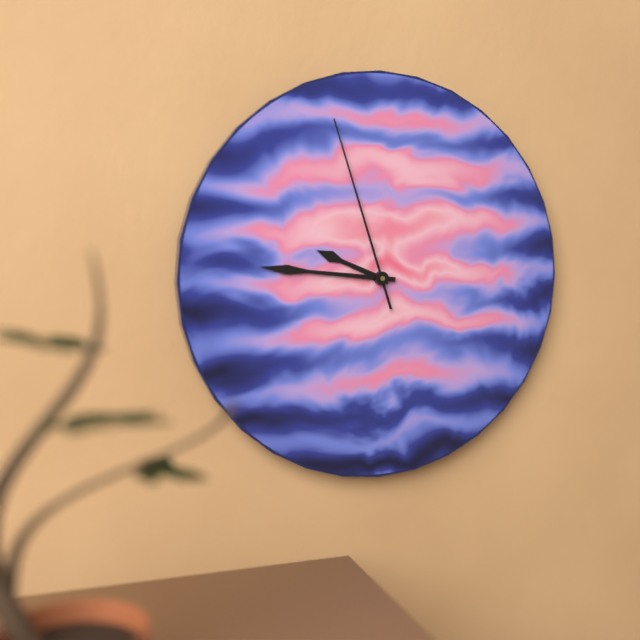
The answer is 9 h 46 min 57 s
